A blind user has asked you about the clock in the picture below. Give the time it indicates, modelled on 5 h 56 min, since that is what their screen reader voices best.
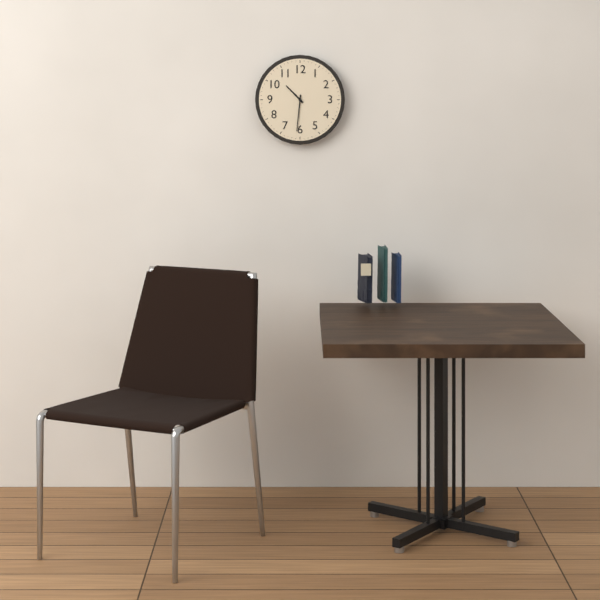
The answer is 10 h 31 min
